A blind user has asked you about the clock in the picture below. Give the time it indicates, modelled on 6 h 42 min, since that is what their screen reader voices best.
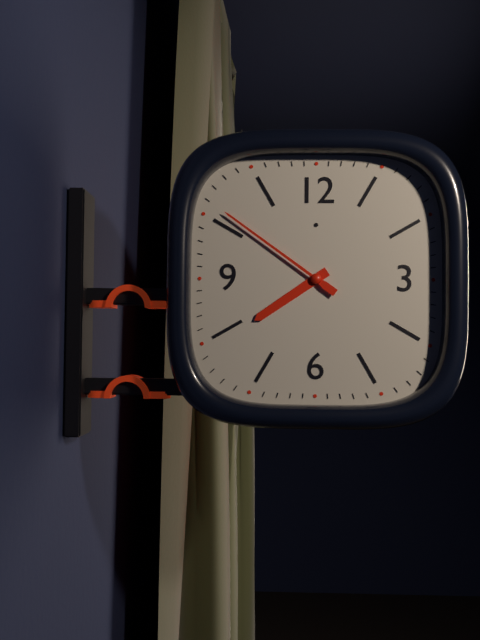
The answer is 7 h 51 min
